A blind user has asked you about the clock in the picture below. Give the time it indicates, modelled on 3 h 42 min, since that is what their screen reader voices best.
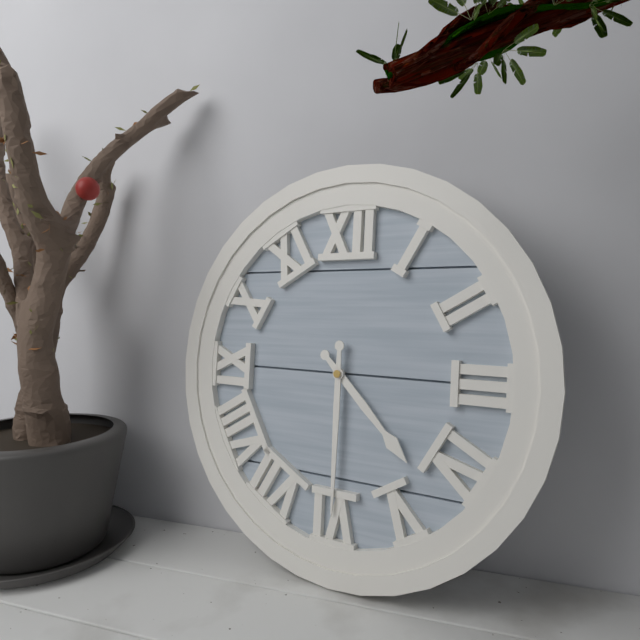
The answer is 4 h 30 min
